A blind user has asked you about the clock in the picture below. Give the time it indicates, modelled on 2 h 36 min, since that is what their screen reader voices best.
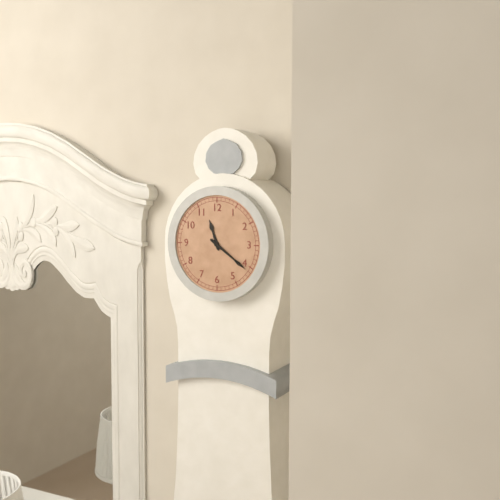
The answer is 11 h 21 min
